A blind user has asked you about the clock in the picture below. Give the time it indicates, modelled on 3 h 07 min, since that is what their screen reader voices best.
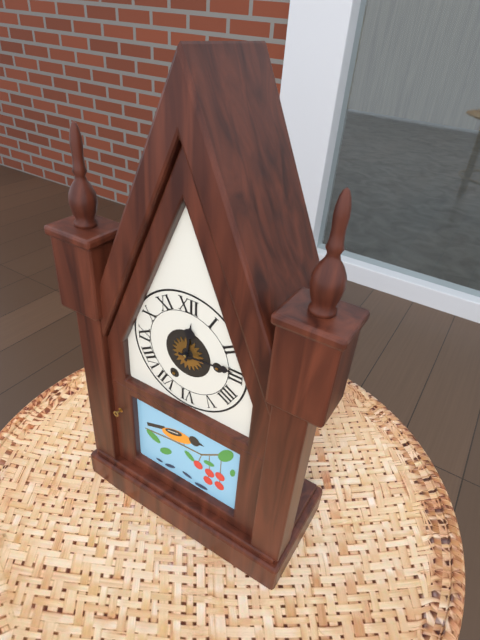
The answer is 12 h 14 min
